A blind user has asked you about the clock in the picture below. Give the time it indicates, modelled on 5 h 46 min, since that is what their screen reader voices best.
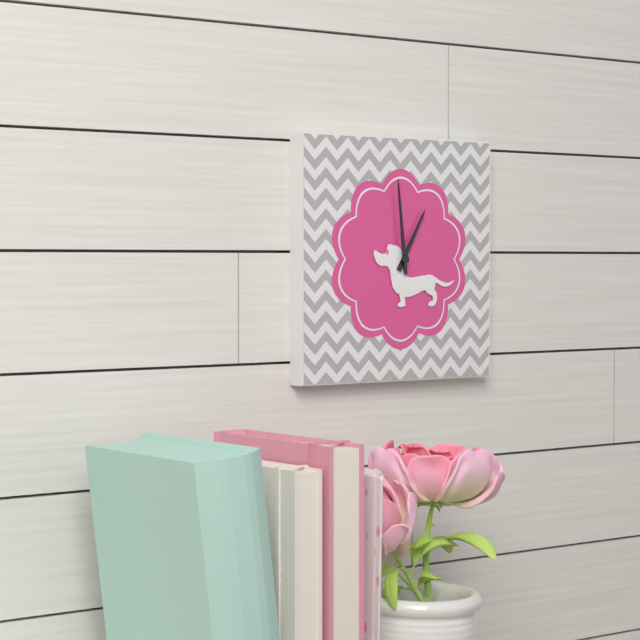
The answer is 12 h 59 min
